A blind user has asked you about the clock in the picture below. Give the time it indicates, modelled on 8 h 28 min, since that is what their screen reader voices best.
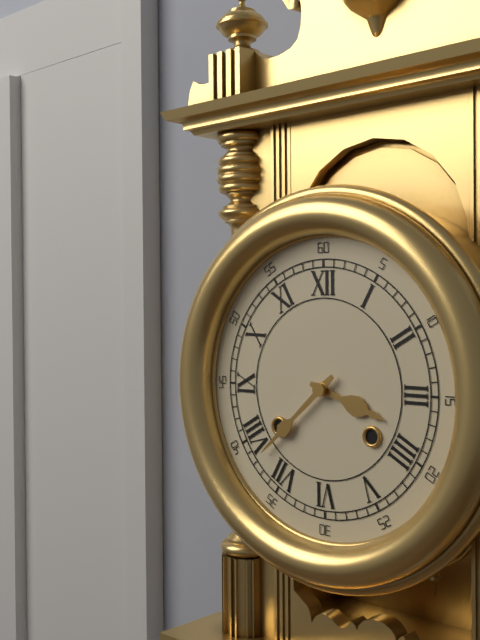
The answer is 3 h 38 min
